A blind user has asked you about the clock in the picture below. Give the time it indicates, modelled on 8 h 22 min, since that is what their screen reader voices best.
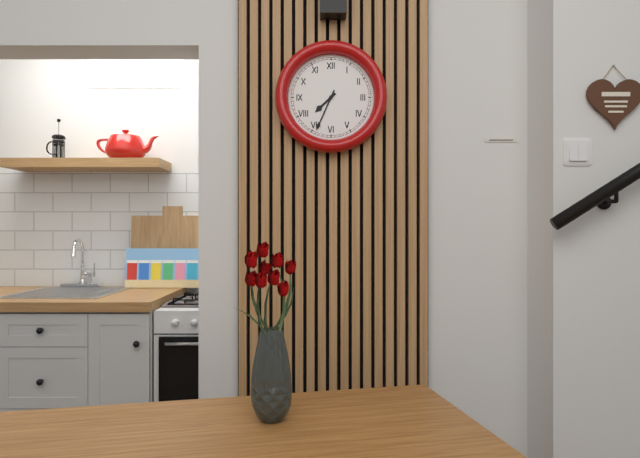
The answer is 7 h 34 min
